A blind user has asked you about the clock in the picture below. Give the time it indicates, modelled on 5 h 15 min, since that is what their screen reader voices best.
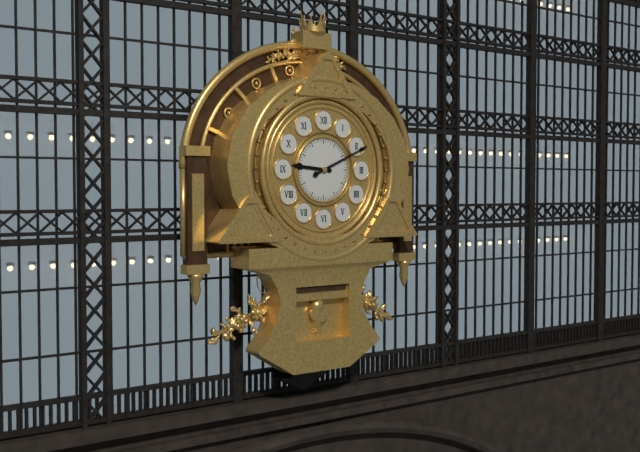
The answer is 9 h 11 min
